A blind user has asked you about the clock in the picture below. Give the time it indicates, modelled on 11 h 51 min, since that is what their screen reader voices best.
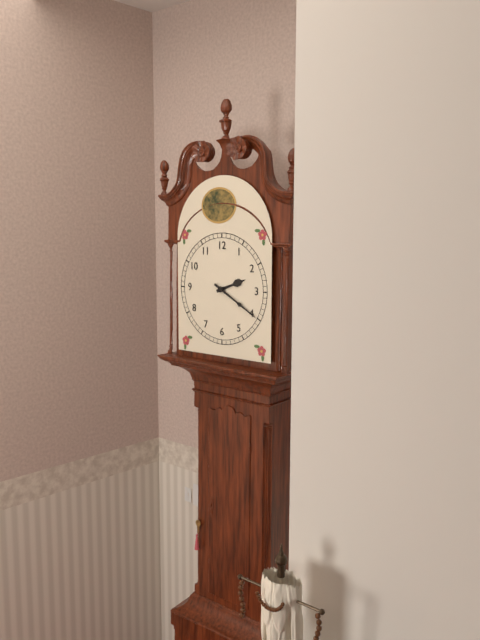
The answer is 2 h 20 min
